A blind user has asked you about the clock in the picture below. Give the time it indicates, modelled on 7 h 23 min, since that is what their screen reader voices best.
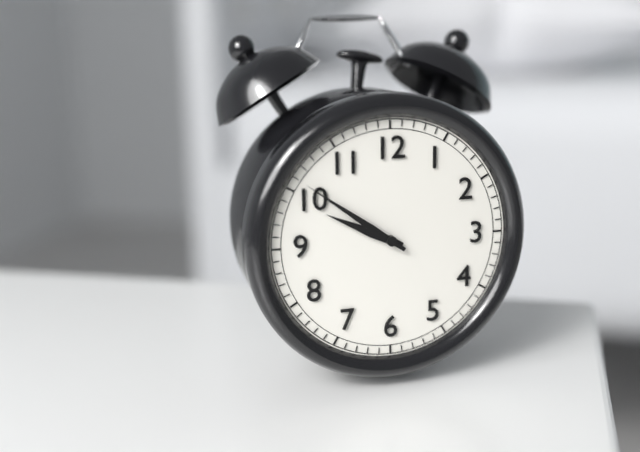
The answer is 9 h 51 min
